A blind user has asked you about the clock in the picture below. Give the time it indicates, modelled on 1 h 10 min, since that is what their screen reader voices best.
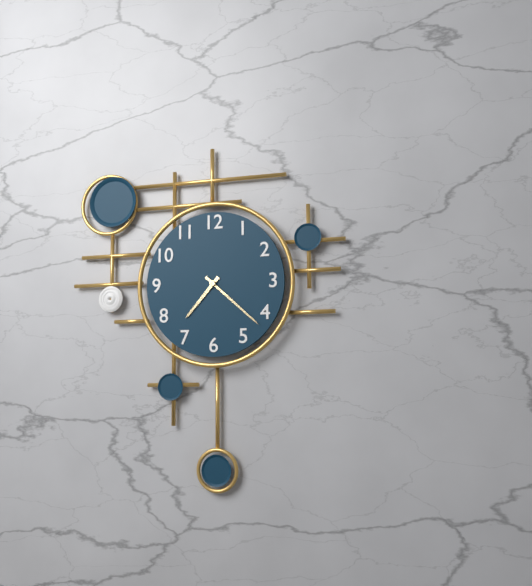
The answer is 7 h 22 min
